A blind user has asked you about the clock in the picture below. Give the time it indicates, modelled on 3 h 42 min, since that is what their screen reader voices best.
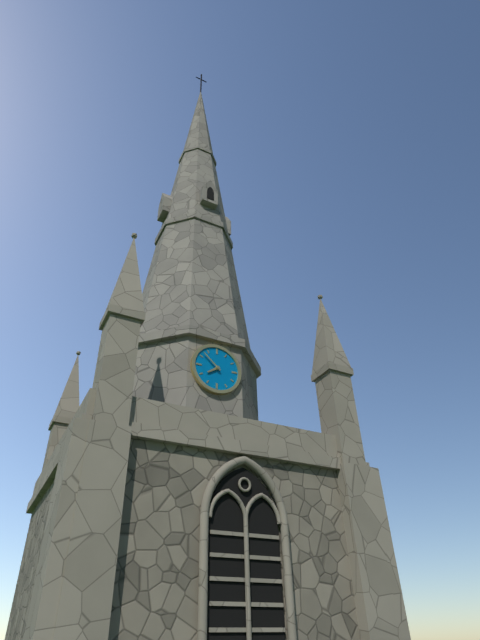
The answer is 7 h 52 min
